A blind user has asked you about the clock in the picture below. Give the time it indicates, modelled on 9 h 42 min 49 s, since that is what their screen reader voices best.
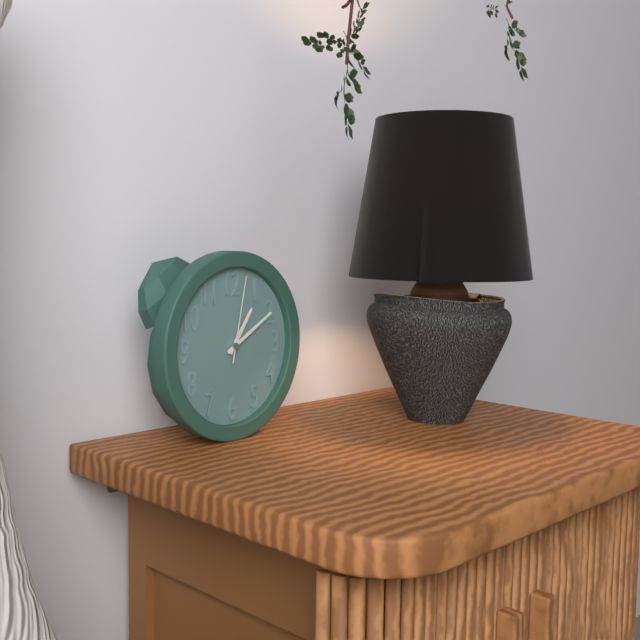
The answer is 1 h 10 min 02 s
